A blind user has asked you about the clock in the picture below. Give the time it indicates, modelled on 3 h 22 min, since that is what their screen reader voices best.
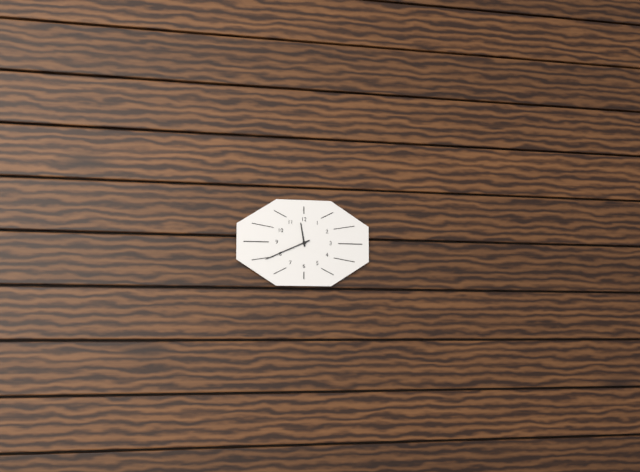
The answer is 11 h 41 min
